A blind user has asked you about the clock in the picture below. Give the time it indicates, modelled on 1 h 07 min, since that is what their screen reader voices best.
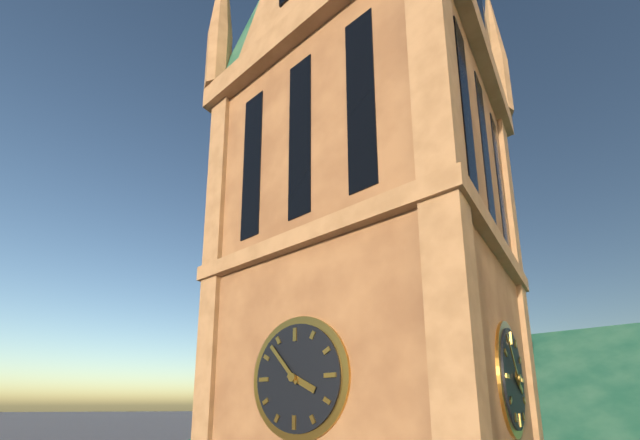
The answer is 3 h 53 min
